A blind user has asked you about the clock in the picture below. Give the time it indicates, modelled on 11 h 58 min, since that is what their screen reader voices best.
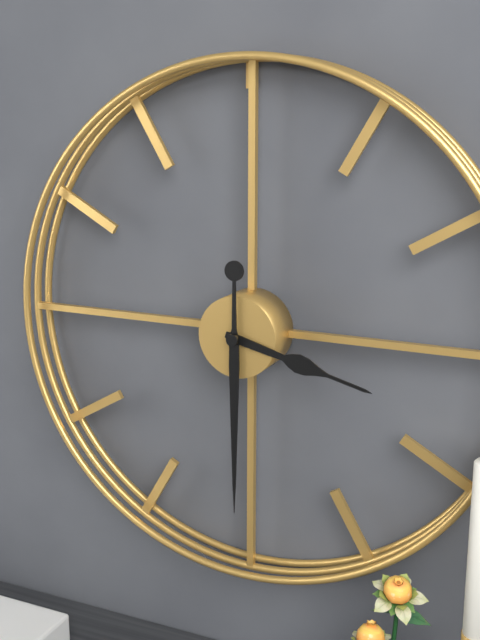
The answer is 3 h 30 min
